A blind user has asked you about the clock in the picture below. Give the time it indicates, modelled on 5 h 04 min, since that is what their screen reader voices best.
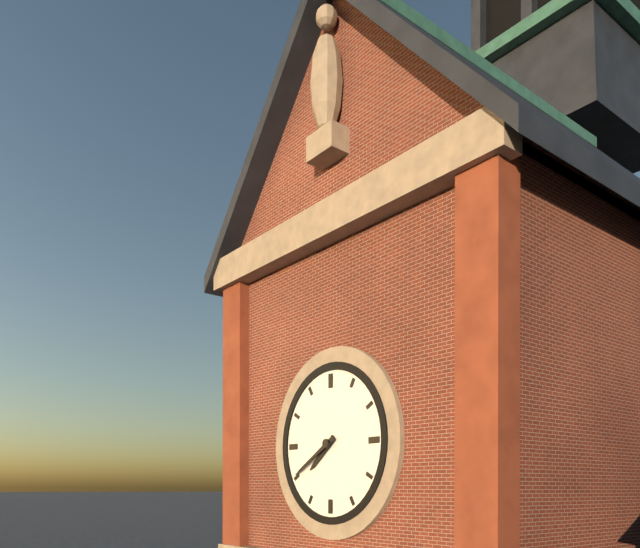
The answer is 7 h 40 min
